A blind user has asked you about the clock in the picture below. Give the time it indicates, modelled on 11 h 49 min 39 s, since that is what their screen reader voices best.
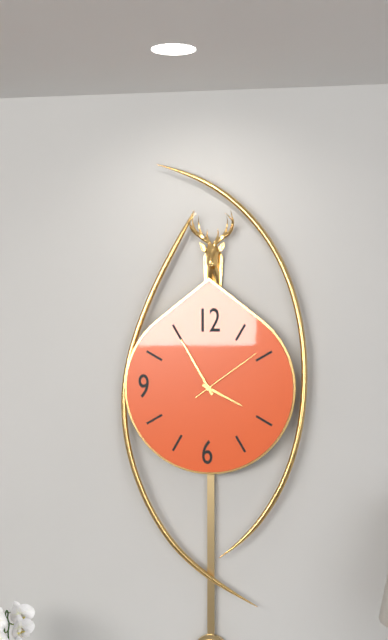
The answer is 3 h 55 min 09 s
